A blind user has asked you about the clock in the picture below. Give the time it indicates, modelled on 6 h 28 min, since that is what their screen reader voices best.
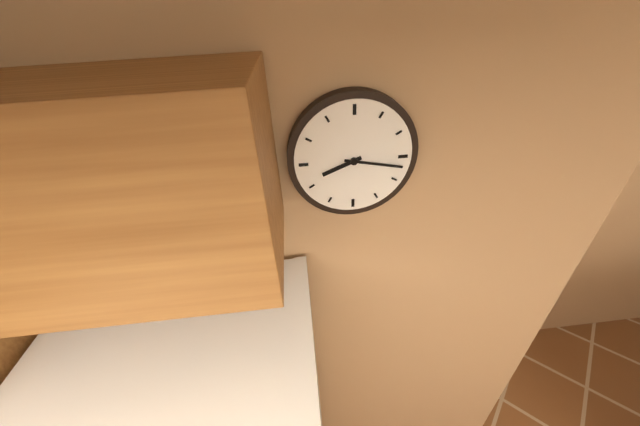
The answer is 8 h 17 min
